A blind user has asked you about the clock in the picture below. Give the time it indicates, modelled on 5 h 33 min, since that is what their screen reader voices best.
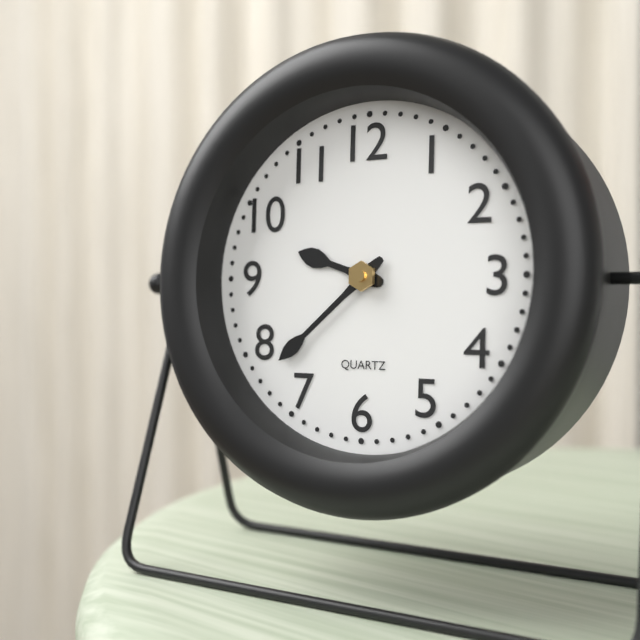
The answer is 9 h 38 min
